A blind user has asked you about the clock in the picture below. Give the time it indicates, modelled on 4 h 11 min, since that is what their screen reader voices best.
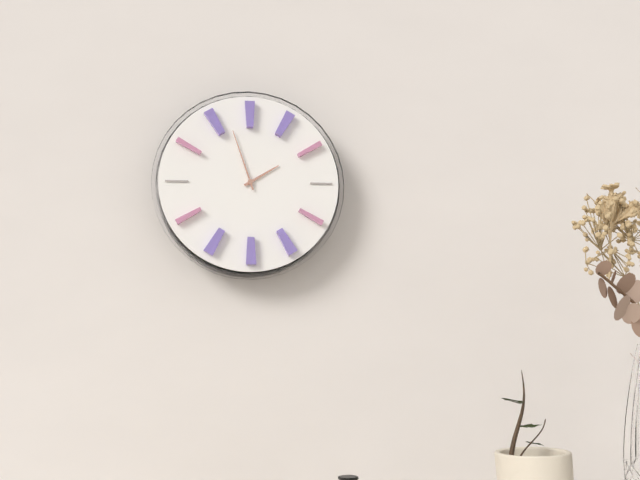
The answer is 1 h 57 min
